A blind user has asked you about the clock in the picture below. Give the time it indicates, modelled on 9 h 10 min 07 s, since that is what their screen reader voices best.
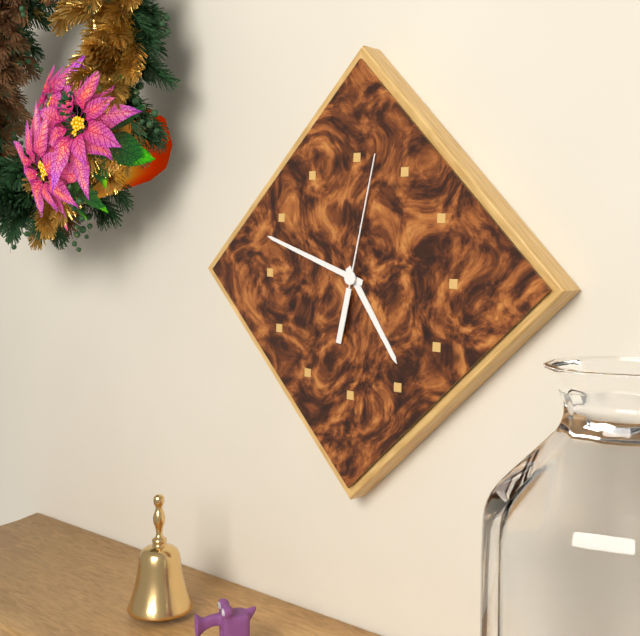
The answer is 4 h 48 min 02 s
